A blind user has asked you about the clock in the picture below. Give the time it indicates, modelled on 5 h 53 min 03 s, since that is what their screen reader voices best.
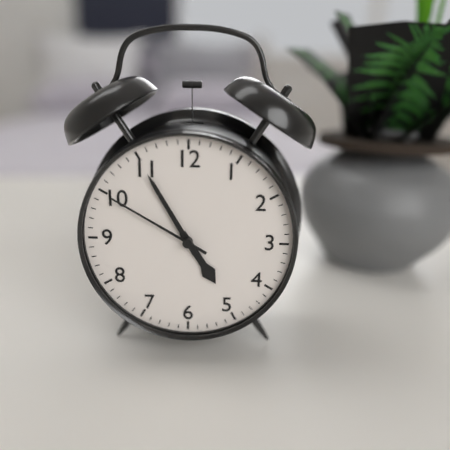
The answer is 4 h 55 min 50 s
